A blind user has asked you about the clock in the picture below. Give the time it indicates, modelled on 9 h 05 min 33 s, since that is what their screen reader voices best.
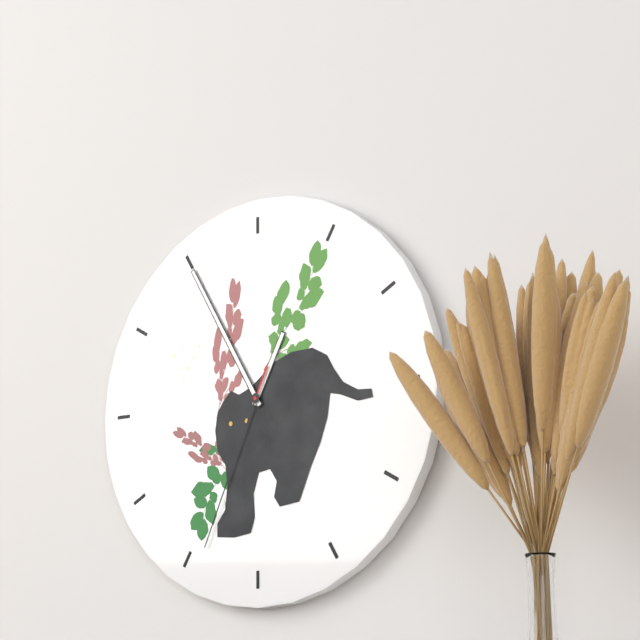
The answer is 12 h 55 min 34 s
